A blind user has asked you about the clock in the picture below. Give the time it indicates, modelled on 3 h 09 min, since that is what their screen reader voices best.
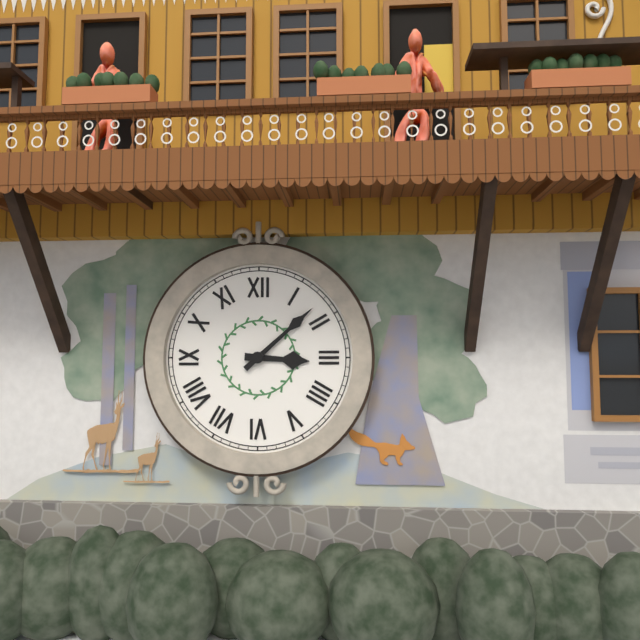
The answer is 3 h 08 min
